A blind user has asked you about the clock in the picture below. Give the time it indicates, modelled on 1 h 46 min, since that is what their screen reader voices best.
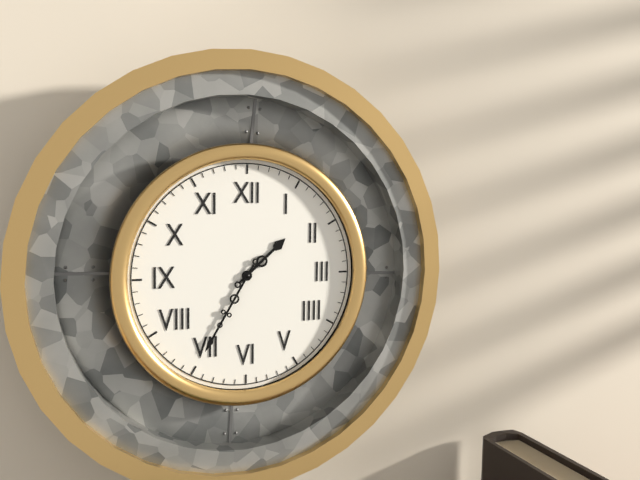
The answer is 1 h 35 min
